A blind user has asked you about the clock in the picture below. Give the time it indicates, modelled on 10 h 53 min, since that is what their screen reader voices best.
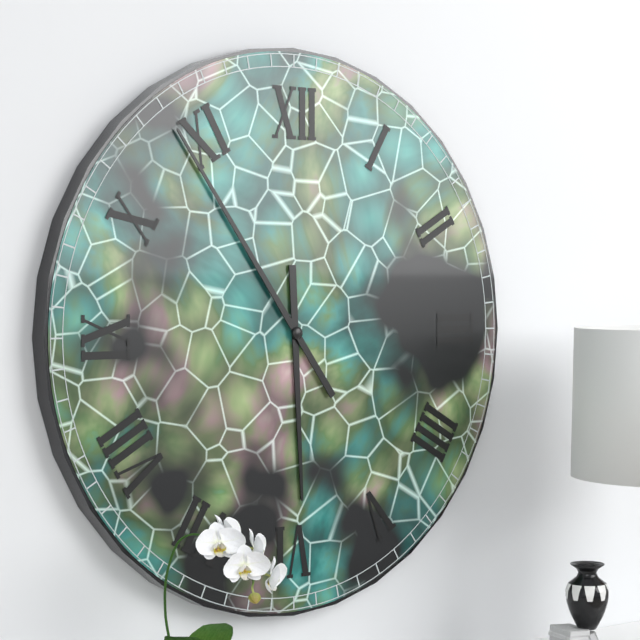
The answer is 5 h 54 min
